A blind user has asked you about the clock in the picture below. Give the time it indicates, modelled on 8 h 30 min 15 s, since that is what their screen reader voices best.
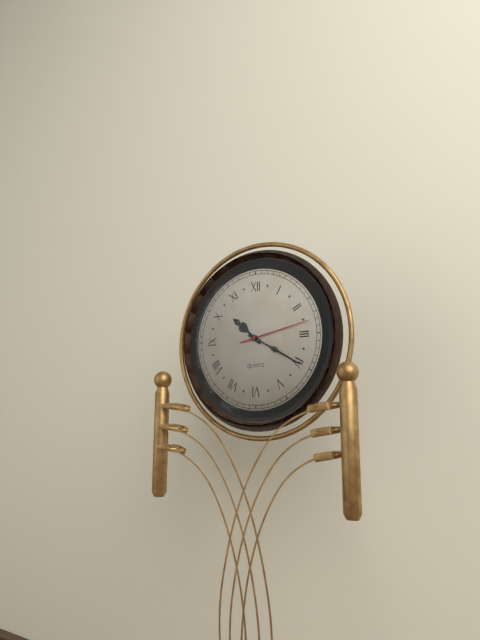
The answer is 10 h 20 min 13 s
